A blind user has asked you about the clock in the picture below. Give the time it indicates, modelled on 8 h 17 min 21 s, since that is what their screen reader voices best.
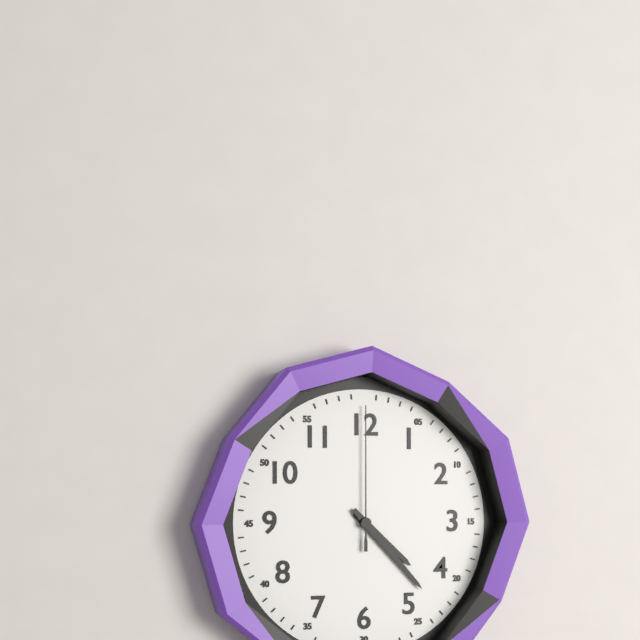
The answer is 4 h 23 min 00 s
